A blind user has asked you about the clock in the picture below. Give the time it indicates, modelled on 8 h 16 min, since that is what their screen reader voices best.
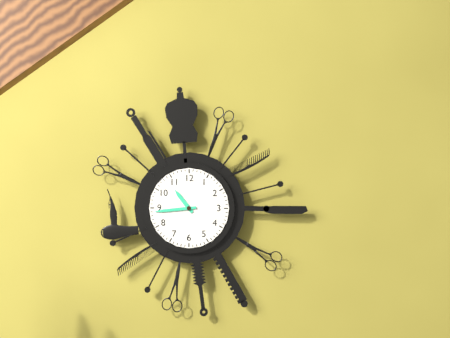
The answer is 10 h 44 min
